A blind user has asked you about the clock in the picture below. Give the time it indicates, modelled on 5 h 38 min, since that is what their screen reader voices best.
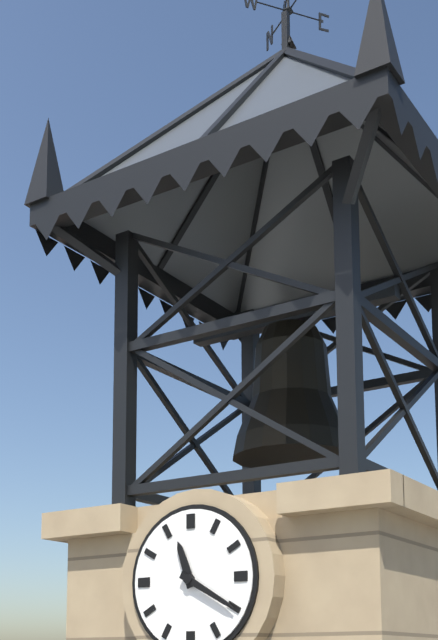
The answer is 11 h 20 min
